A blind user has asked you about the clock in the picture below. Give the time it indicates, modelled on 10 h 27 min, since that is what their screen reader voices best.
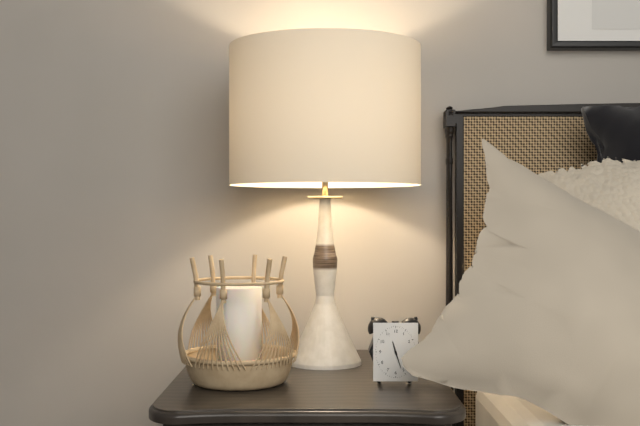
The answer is 11 h 27 min
